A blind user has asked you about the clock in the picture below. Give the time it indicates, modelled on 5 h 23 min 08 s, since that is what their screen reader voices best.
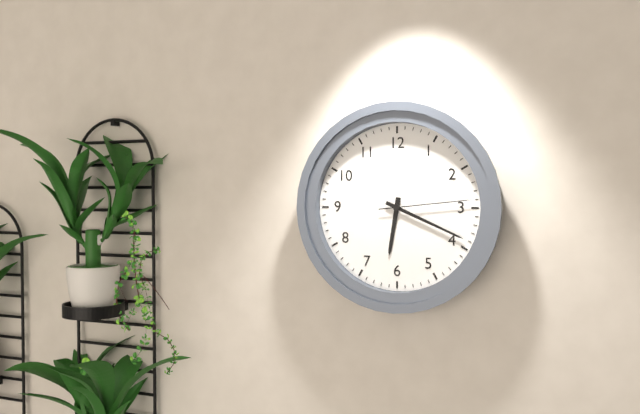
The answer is 6 h 19 min 14 s
